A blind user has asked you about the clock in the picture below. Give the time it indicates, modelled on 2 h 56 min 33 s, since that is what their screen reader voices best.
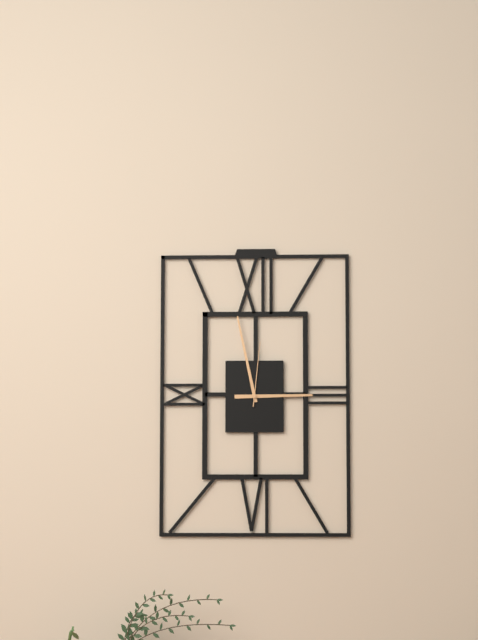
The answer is 2 h 58 min 01 s
